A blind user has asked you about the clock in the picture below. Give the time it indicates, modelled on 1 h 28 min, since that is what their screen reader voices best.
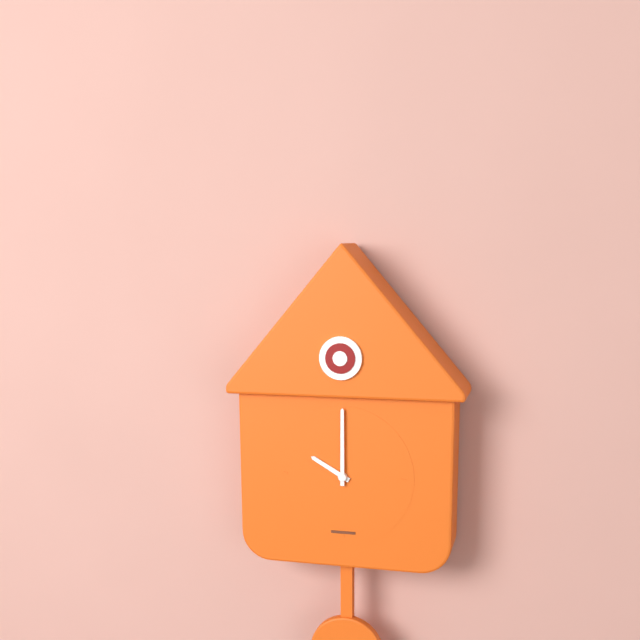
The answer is 10 h 00 min
